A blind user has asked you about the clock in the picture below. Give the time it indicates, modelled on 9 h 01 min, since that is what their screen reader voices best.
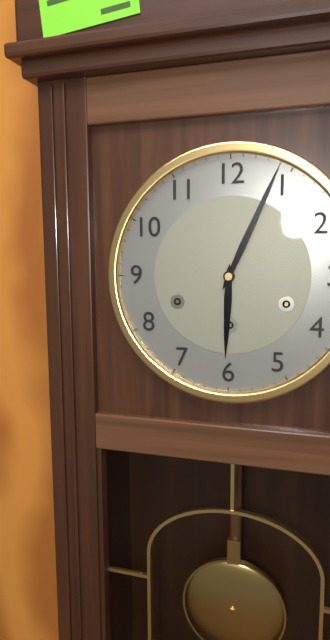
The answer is 6 h 04 min
